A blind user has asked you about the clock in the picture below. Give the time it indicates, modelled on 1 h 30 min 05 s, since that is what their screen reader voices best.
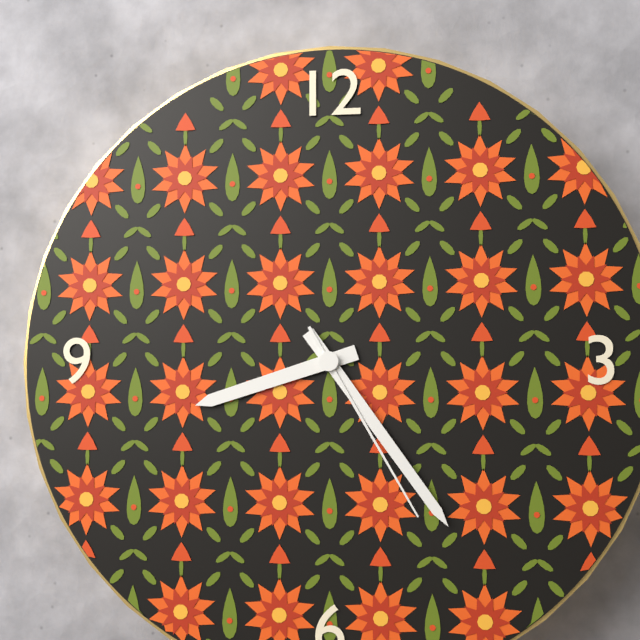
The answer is 8 h 24 min 25 s
